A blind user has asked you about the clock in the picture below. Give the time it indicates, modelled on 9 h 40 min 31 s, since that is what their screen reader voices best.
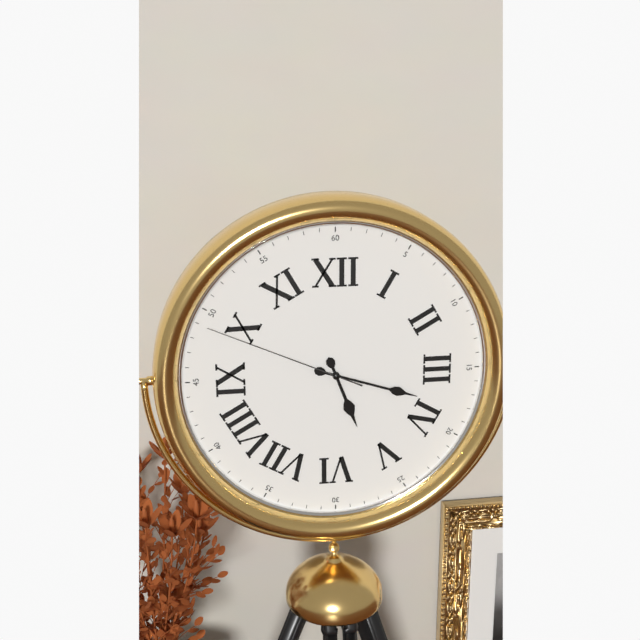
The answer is 5 h 18 min 49 s
